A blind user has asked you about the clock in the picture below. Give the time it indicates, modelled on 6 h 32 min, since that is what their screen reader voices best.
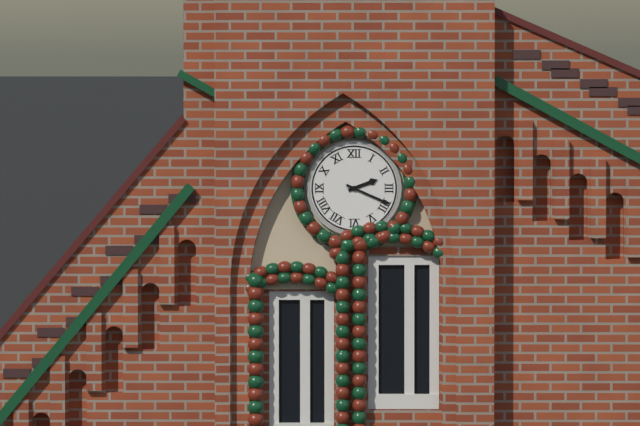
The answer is 2 h 19 min
